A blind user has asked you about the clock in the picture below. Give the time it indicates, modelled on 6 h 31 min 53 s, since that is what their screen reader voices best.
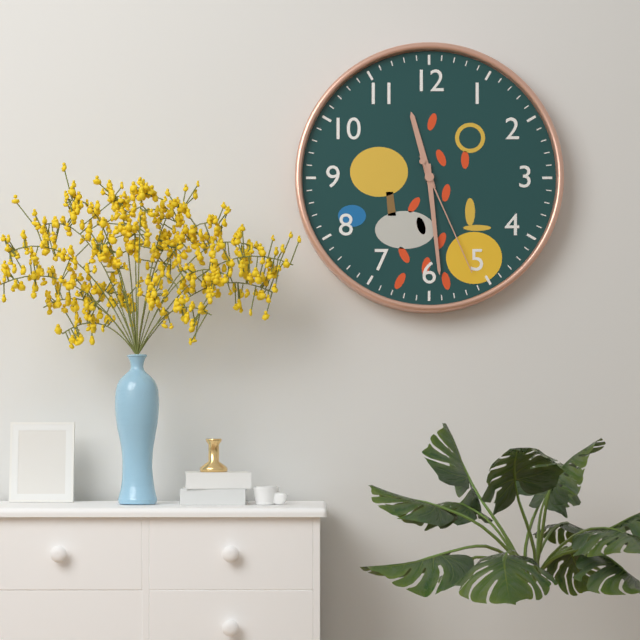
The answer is 11 h 29 min 26 s
